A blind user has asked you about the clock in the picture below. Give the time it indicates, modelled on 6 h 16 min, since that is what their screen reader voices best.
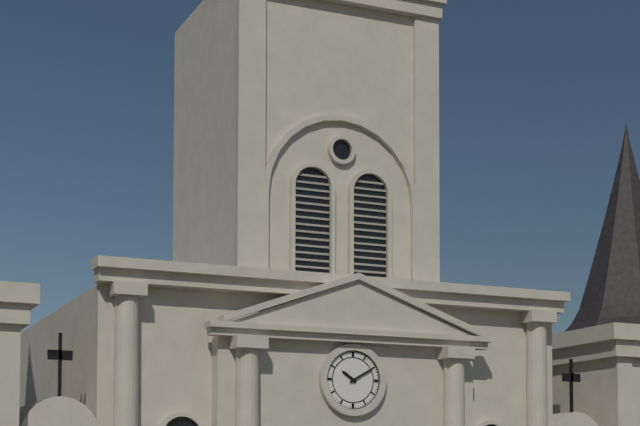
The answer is 10 h 10 min
